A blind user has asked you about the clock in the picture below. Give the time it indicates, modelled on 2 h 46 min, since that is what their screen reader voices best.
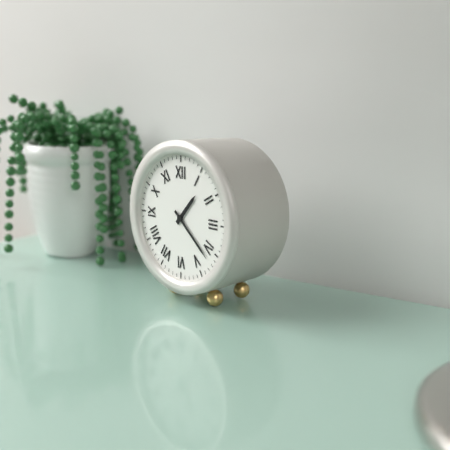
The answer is 1 h 22 min
